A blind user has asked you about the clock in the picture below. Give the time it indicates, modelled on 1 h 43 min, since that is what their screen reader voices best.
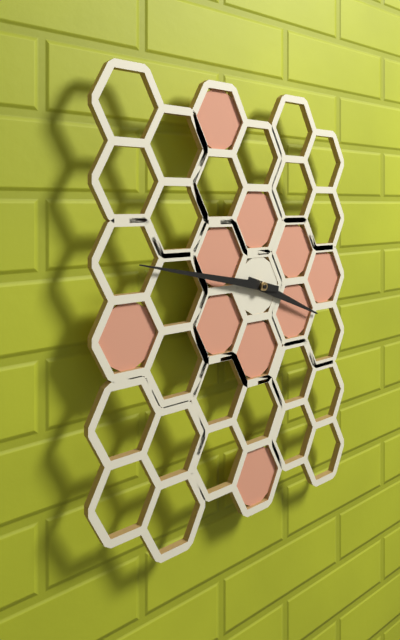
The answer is 3 h 47 min
